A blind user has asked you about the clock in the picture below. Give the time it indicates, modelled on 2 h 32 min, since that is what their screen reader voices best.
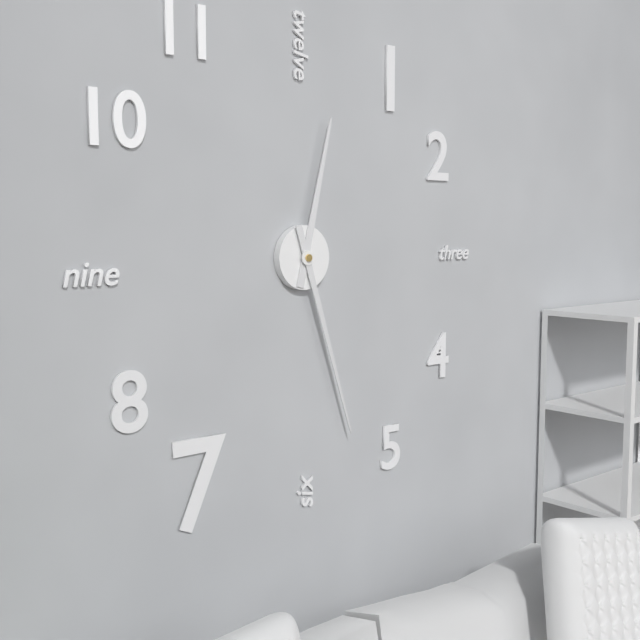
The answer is 12 h 27 min
